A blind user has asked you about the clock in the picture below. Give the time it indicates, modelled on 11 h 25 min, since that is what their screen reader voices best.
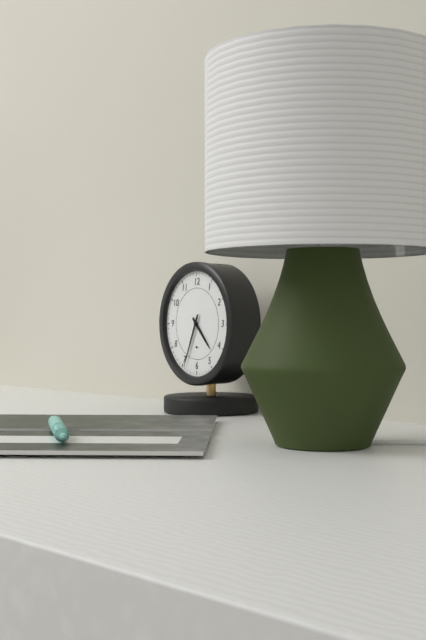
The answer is 4 h 34 min
